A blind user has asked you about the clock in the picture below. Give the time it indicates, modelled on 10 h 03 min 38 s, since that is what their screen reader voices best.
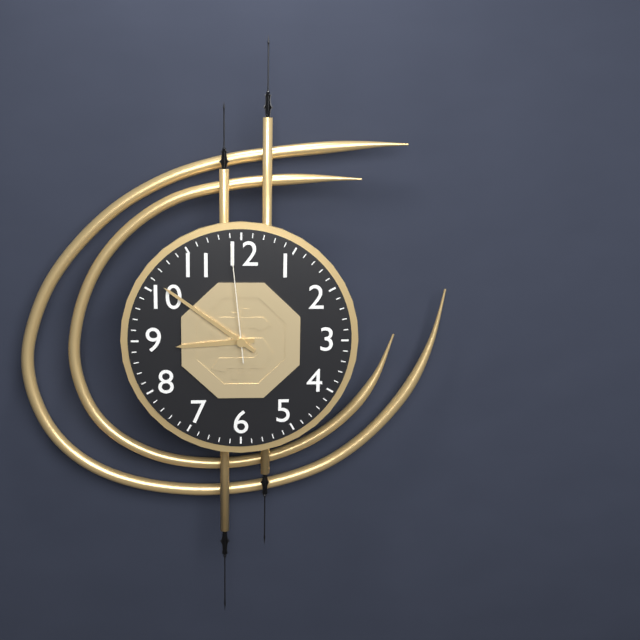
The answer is 8 h 51 min 59 s
